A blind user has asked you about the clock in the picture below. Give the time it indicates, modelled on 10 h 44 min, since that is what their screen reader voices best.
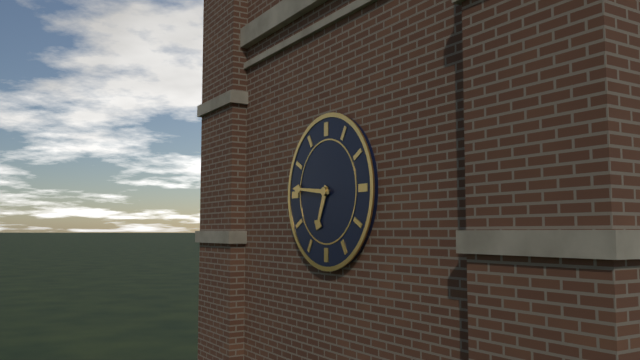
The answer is 6 h 46 min
